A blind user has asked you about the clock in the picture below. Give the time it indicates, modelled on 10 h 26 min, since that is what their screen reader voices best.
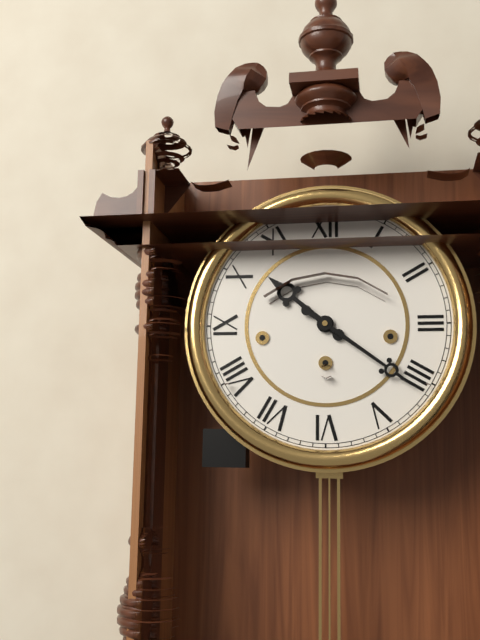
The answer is 10 h 21 min
